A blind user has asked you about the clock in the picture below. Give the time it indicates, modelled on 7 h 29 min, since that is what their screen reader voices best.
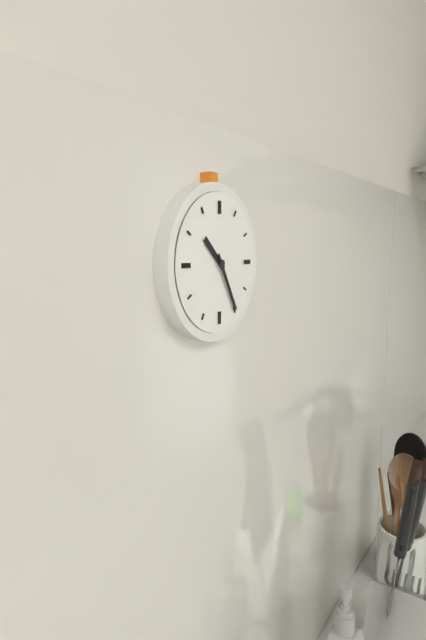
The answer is 10 h 25 min
